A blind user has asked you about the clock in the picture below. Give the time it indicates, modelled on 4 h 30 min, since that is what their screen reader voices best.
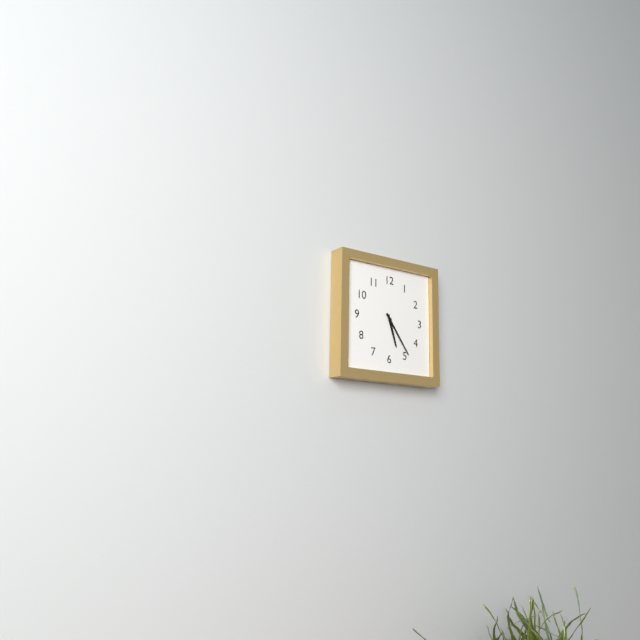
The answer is 5 h 24 min
